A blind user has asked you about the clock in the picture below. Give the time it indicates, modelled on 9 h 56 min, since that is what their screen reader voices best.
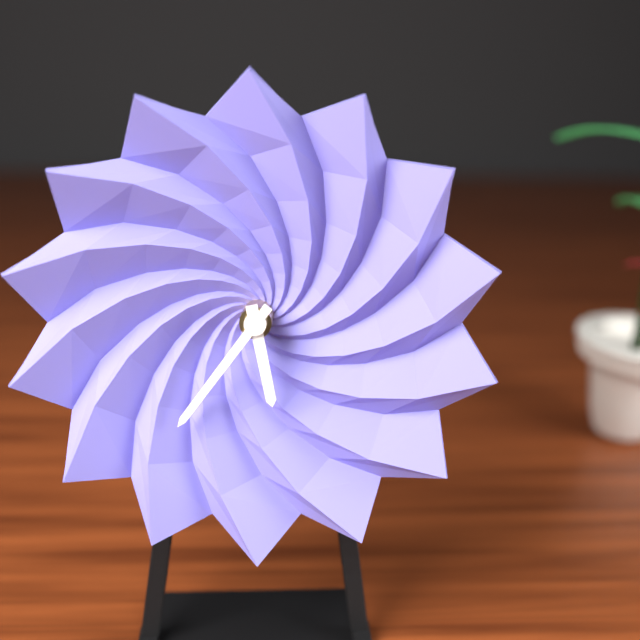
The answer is 5 h 36 min
